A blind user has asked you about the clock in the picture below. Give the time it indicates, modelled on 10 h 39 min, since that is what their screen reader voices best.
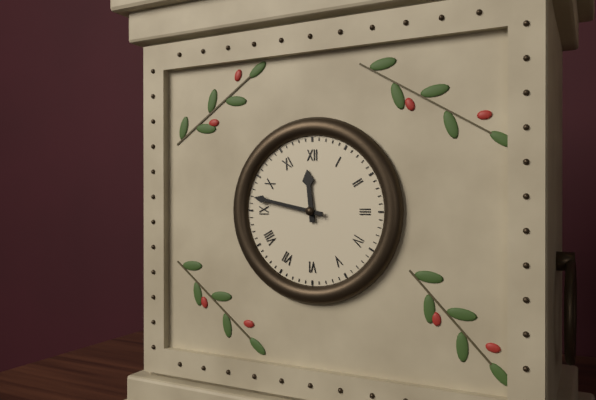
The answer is 11 h 47 min
